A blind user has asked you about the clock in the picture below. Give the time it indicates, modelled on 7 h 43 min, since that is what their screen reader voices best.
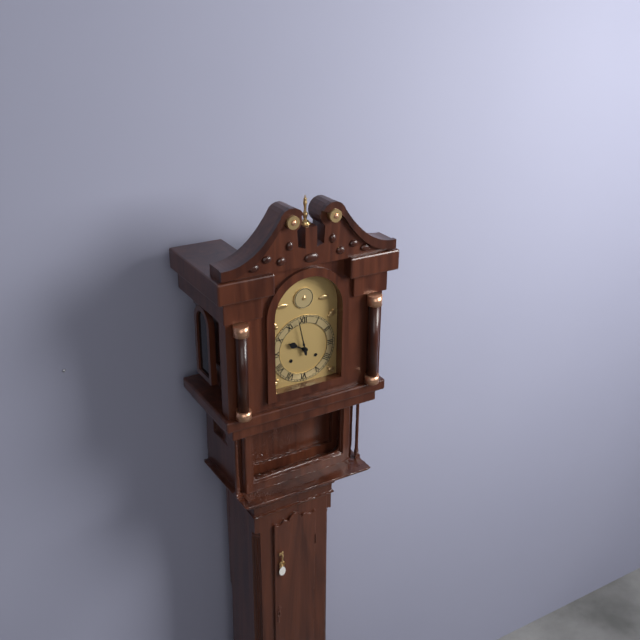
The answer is 9 h 58 min
